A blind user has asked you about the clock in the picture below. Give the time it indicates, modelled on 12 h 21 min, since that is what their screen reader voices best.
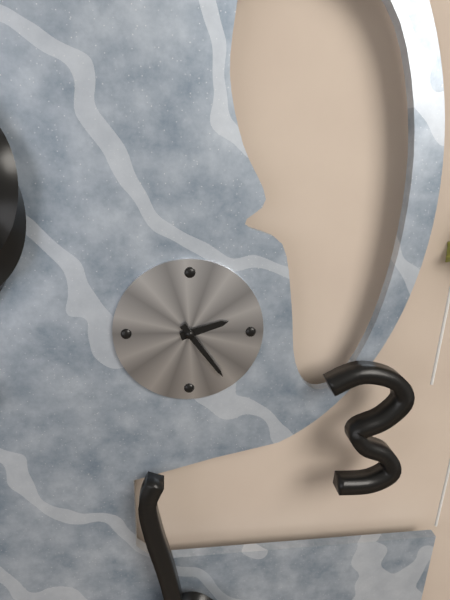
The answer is 2 h 24 min
